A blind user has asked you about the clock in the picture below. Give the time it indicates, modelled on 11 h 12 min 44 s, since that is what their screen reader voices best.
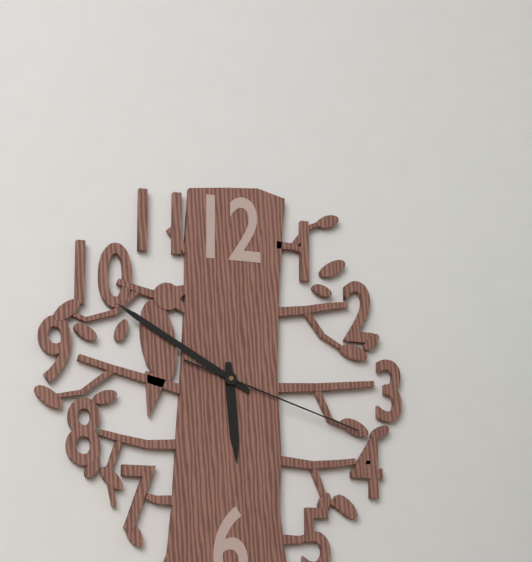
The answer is 5 h 50 min 18 s
